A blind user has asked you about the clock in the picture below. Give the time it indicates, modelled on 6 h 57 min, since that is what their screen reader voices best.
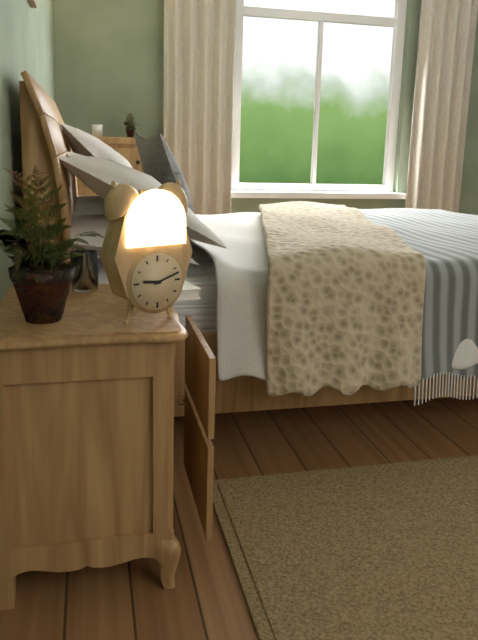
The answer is 9 h 12 min
